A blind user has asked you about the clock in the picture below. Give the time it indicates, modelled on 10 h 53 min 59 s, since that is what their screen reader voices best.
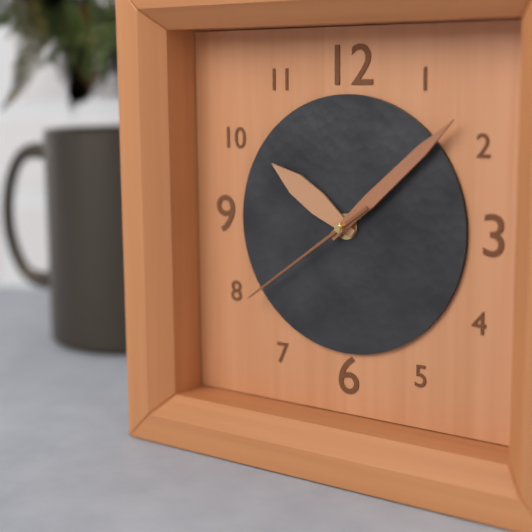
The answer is 10 h 08 min 39 s
